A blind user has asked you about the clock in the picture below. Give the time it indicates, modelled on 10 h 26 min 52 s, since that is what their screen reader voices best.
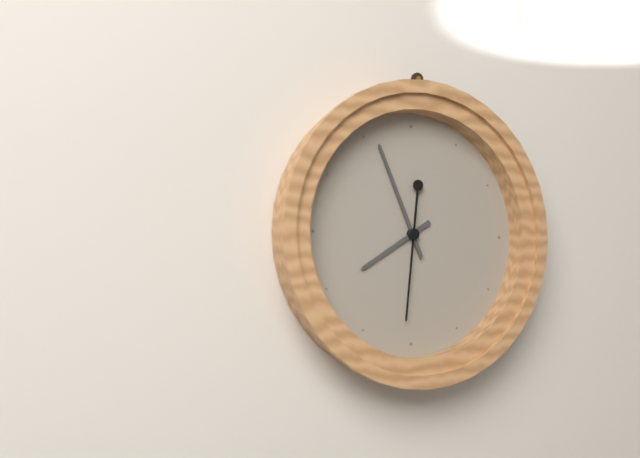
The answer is 7 h 56 min 31 s
